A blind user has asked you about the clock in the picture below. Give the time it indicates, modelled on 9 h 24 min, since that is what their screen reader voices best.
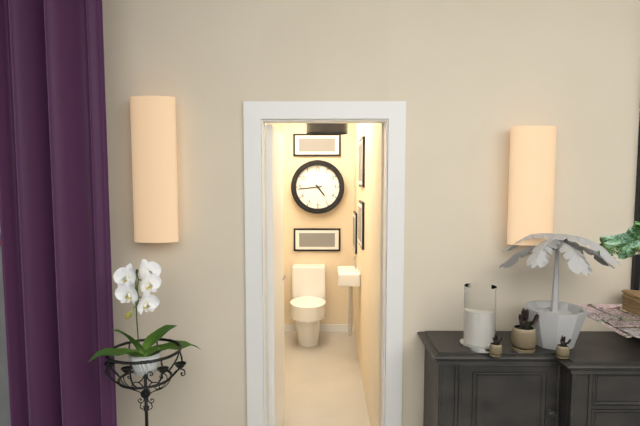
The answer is 4 h 44 min
